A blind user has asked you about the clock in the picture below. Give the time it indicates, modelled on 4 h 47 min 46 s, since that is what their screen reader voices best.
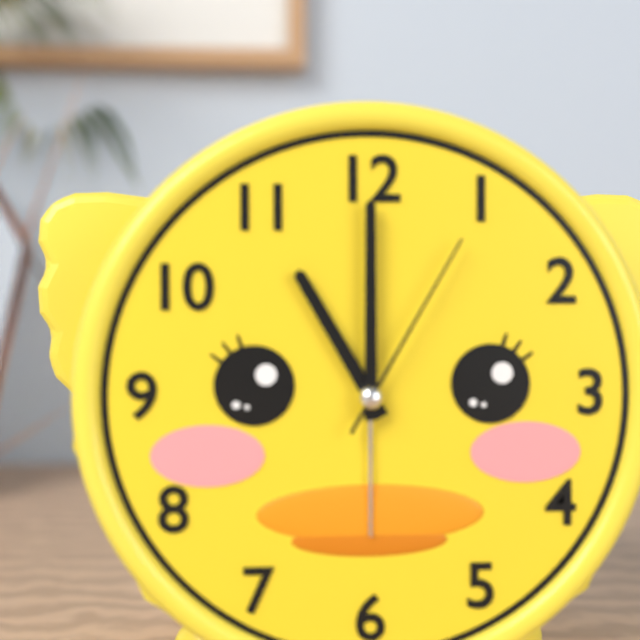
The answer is 11 h 00 min 05 s
